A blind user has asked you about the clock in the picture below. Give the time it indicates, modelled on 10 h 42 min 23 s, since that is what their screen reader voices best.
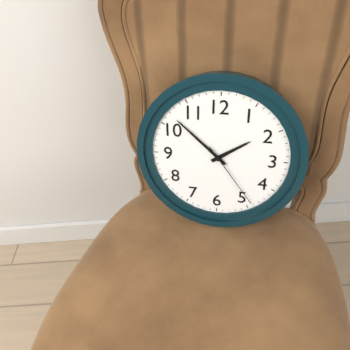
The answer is 1 h 52 min 24 s
